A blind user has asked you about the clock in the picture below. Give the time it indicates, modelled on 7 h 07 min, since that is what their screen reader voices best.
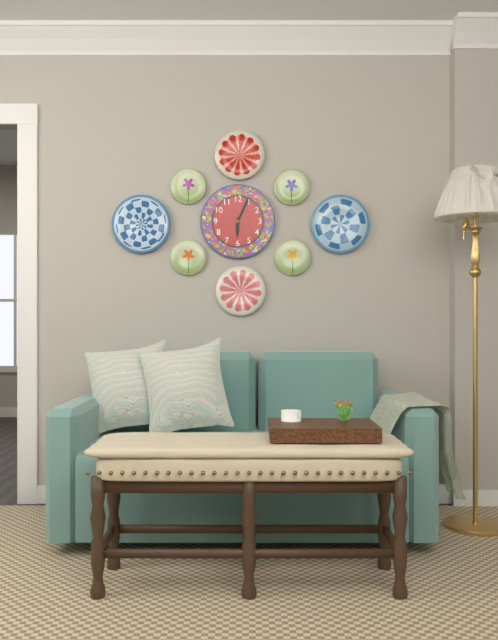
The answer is 6 h 04 min
